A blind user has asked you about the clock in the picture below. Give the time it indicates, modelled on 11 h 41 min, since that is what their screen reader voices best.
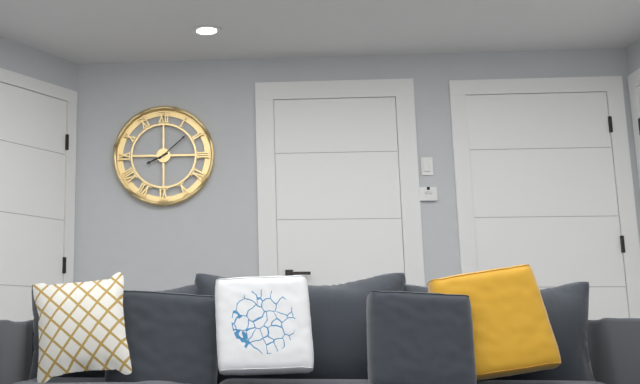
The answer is 8 h 08 min
